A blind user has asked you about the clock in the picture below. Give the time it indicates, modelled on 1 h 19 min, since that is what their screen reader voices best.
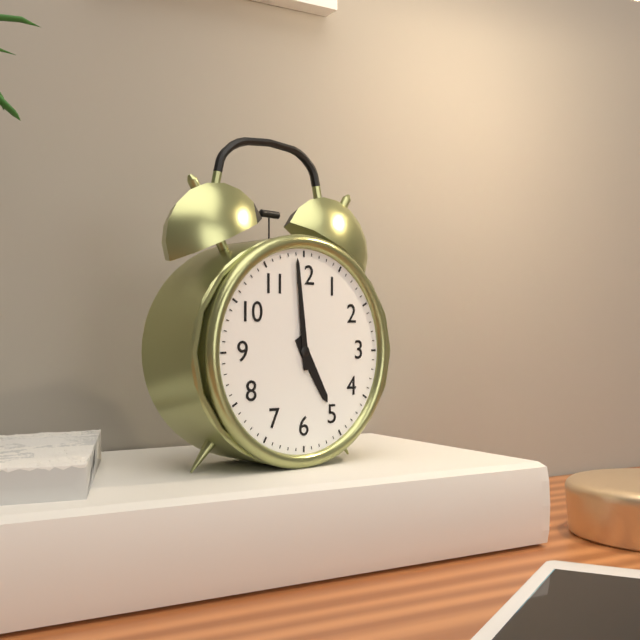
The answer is 4 h 59 min
